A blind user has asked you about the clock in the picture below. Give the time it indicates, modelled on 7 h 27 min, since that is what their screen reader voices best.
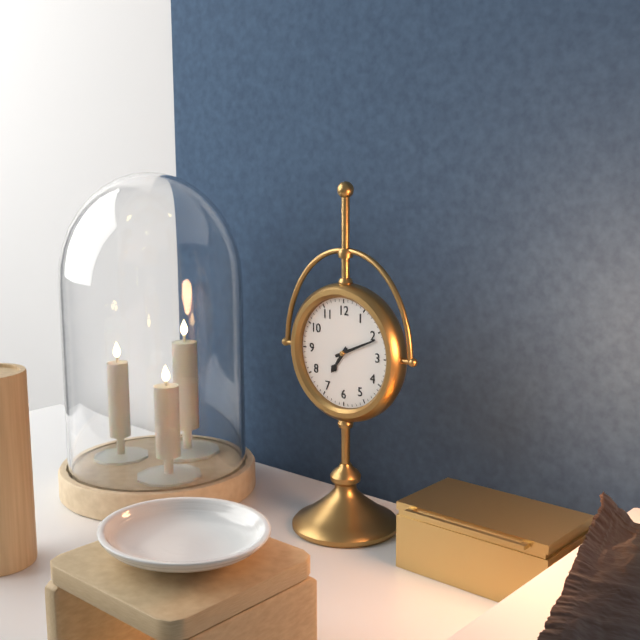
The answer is 7 h 11 min
